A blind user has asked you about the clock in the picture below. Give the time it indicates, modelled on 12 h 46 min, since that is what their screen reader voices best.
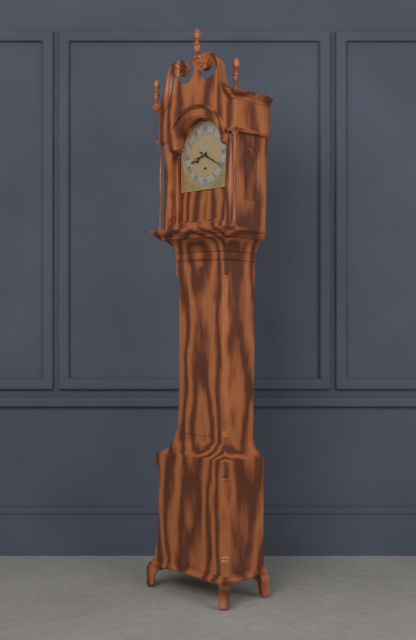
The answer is 8 h 20 min
